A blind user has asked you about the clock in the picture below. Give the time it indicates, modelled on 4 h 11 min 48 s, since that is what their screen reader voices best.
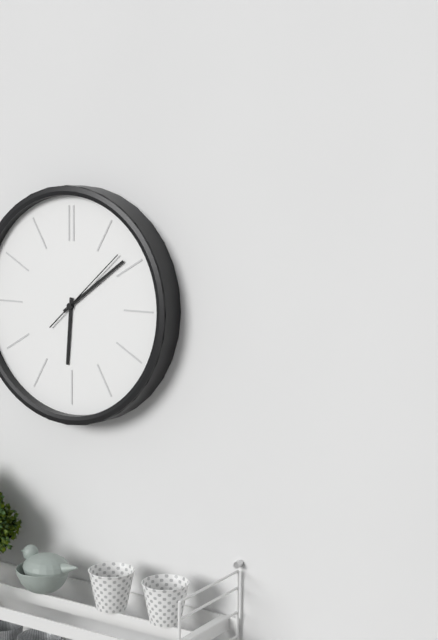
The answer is 6 h 09 min 08 s
